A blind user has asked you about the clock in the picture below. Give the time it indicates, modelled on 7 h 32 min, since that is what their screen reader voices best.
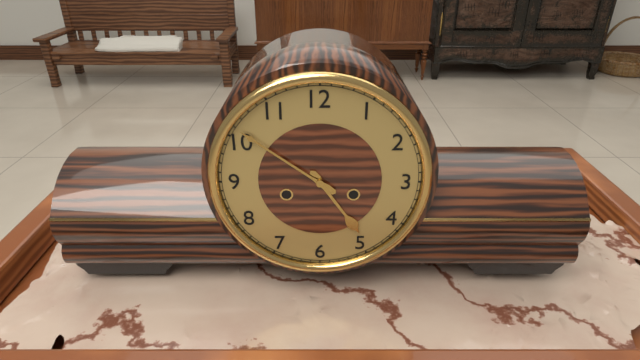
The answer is 4 h 51 min
